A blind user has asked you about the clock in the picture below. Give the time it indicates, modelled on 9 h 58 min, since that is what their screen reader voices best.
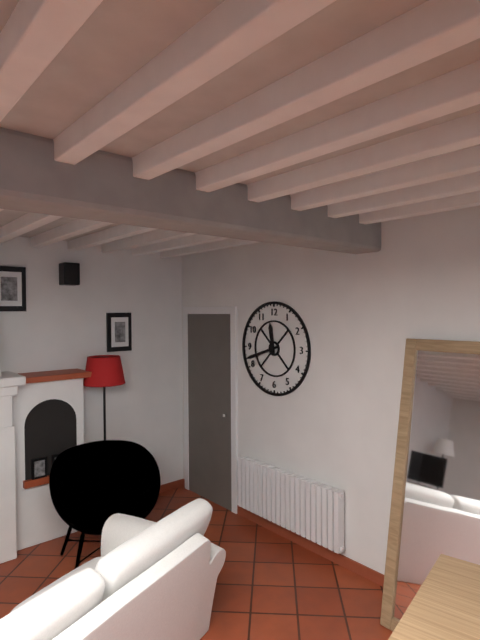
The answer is 11 h 42 min
